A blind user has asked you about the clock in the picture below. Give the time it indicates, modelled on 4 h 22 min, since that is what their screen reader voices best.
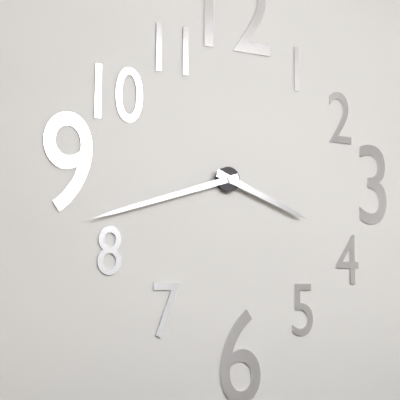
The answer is 3 h 42 min
